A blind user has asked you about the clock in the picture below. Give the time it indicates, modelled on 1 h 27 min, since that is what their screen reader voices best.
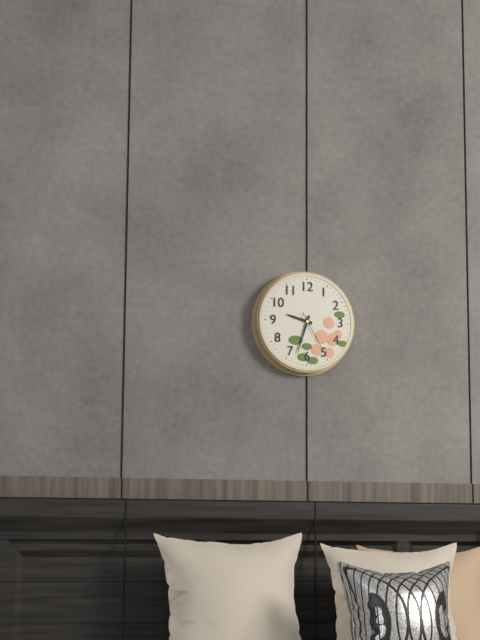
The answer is 9 h 33 min
